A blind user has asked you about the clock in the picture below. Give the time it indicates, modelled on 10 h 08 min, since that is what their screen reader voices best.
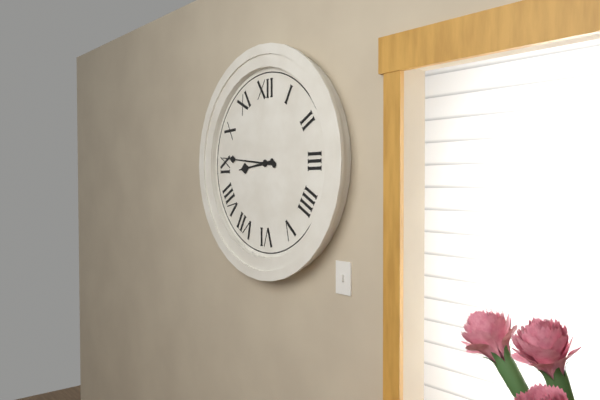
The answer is 8 h 46 min
